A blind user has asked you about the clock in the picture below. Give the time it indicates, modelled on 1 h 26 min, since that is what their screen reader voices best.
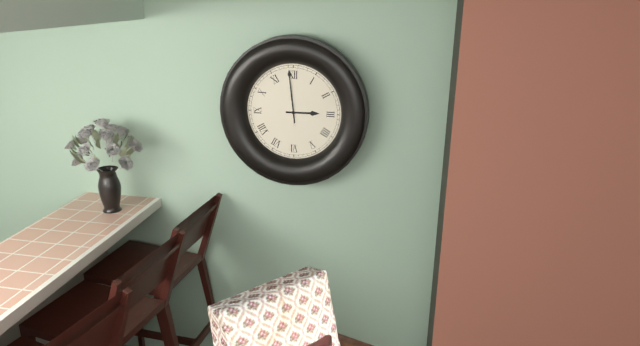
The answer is 2 h 59 min
